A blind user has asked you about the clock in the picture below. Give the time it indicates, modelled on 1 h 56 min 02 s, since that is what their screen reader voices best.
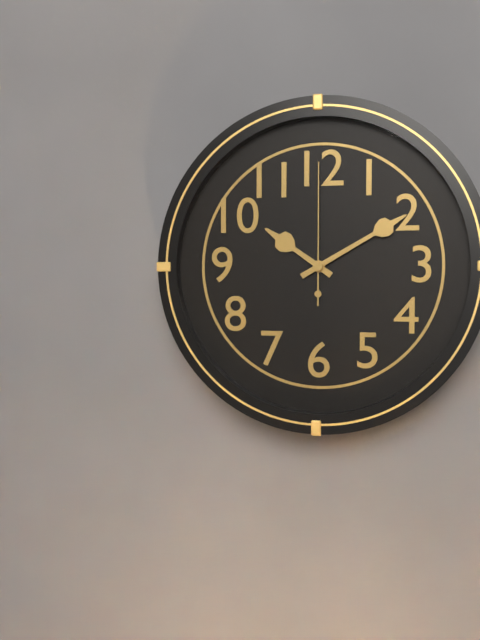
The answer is 10 h 10 min 00 s
